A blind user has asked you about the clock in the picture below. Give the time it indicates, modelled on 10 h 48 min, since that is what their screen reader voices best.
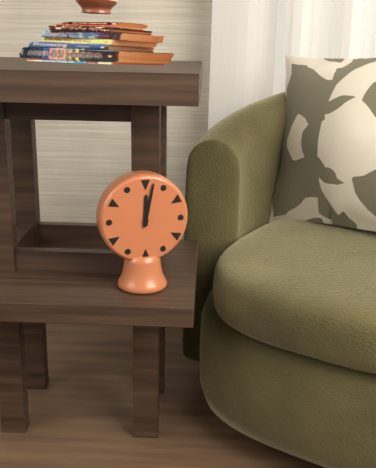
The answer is 12 h 02 min
